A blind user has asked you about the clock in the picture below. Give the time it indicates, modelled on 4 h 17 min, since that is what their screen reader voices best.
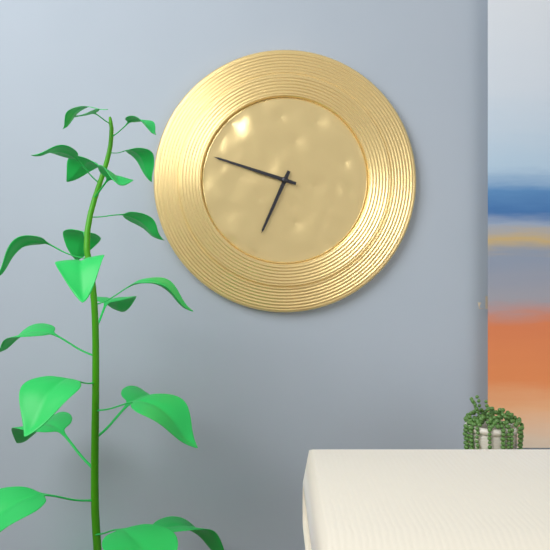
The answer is 6 h 48 min
